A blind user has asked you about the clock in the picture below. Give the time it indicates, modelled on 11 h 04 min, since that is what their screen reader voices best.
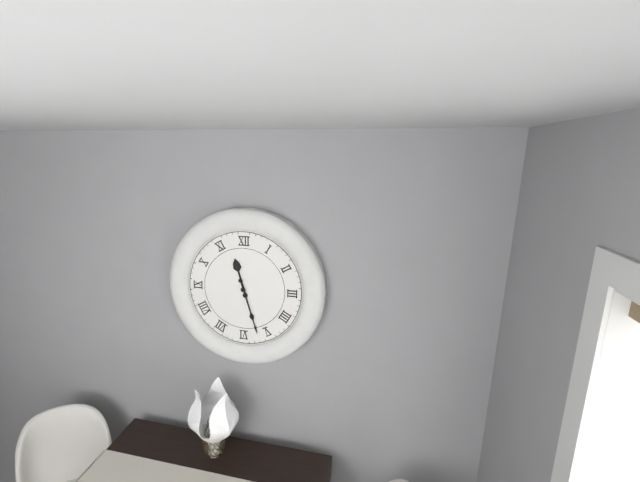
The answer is 11 h 27 min
